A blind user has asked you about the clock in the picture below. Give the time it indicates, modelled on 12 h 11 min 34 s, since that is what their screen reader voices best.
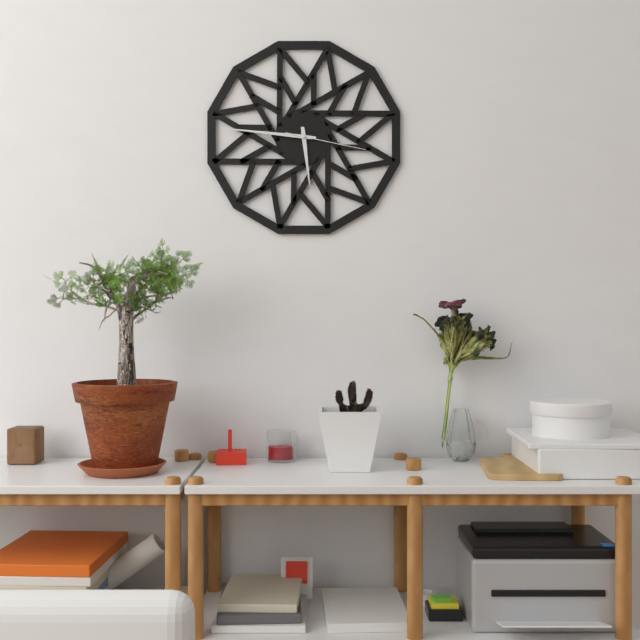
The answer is 5 h 46 min 17 s
